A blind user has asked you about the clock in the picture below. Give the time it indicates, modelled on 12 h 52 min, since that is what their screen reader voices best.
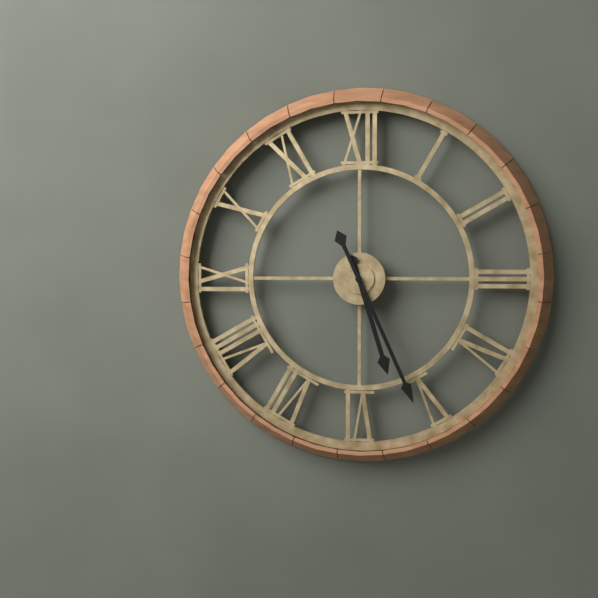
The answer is 5 h 26 min
